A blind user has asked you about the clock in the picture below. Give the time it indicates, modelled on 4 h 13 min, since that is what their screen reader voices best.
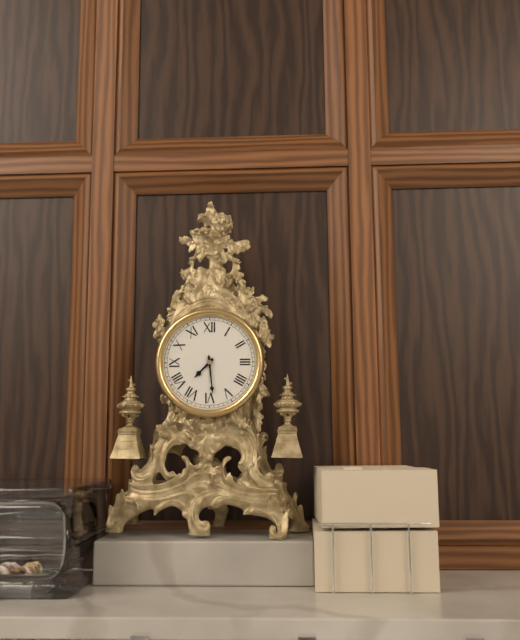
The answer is 7 h 29 min
